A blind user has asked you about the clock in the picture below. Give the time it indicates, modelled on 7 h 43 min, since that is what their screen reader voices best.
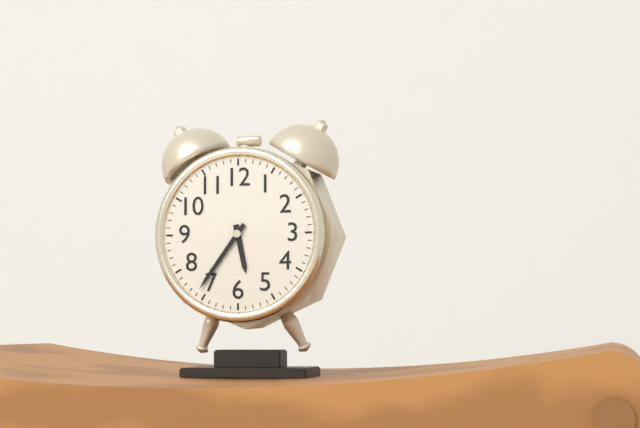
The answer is 5 h 36 min
